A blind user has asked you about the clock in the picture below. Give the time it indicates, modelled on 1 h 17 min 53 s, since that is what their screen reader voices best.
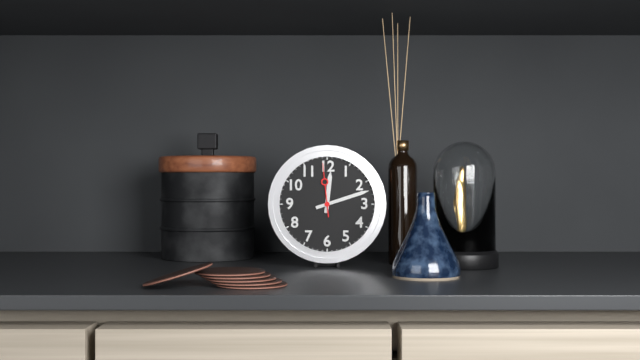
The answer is 12 h 12 min 59 s
